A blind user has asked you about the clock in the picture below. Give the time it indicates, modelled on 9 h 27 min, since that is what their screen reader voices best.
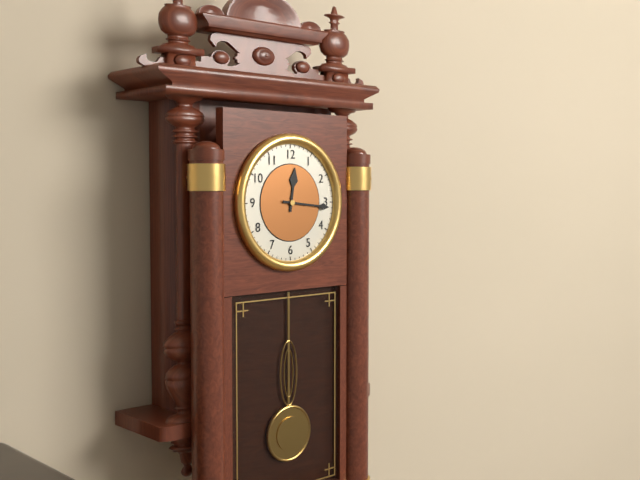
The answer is 12 h 16 min
